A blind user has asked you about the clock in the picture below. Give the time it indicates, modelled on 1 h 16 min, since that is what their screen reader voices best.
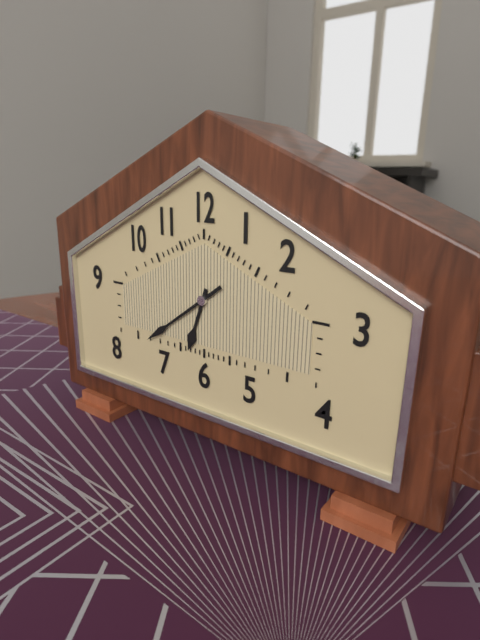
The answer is 6 h 39 min
